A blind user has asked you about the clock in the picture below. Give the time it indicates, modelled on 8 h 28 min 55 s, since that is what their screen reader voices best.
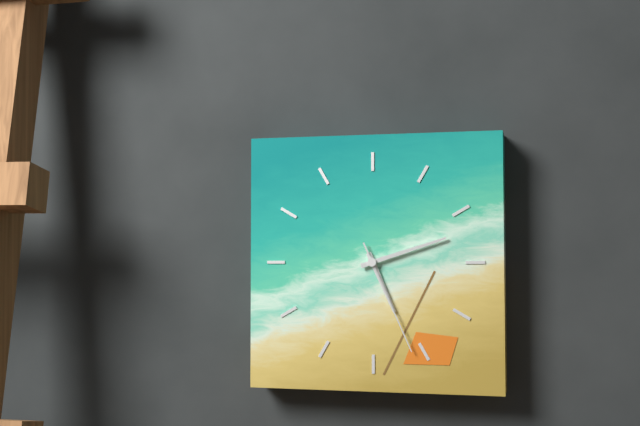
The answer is 5 h 12 min 26 s
